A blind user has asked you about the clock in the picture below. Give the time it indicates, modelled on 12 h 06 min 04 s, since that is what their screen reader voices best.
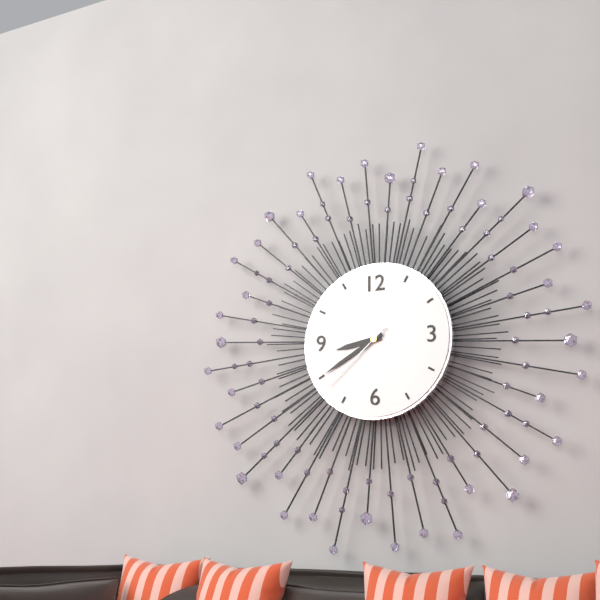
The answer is 8 h 40 min 38 s
